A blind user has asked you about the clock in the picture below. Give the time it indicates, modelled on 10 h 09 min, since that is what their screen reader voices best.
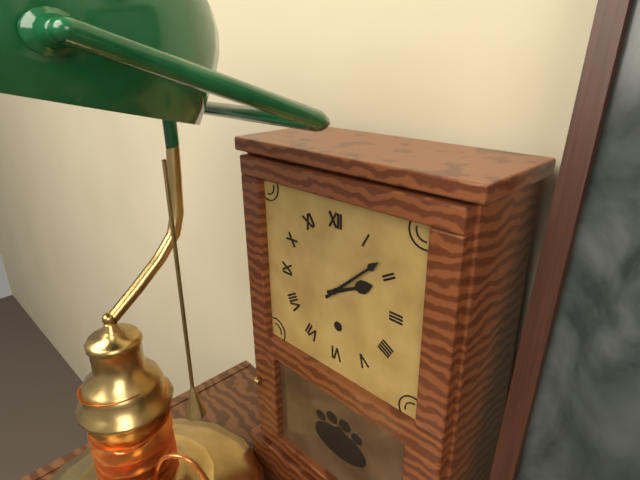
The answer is 2 h 08 min
